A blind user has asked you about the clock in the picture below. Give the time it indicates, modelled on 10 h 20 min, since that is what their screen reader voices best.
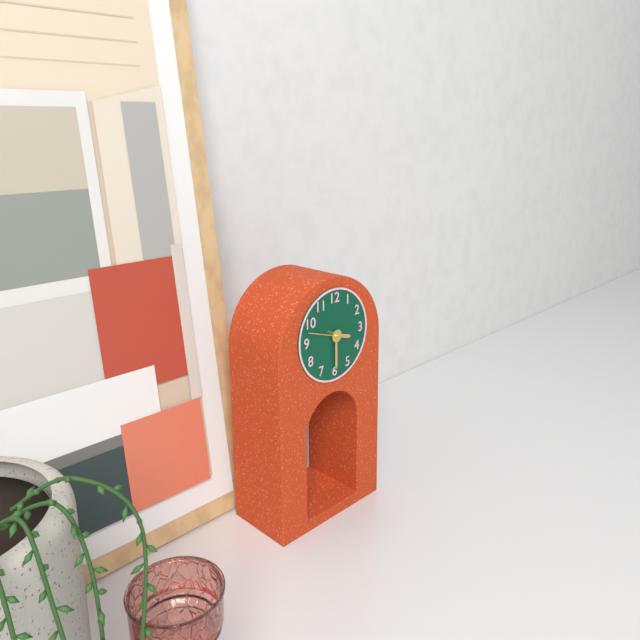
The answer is 3 h 30 min
